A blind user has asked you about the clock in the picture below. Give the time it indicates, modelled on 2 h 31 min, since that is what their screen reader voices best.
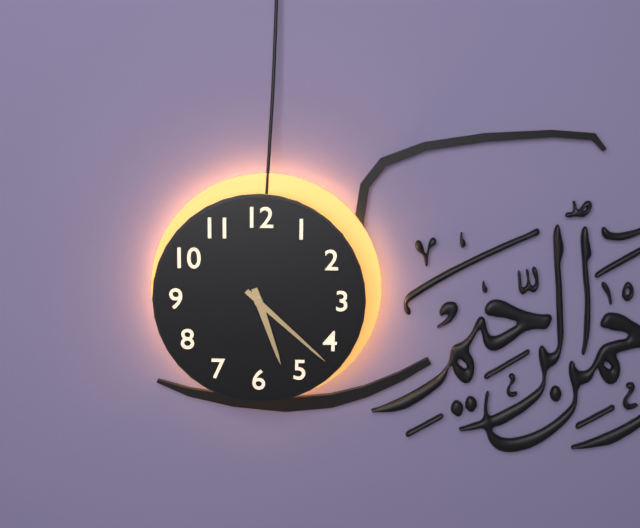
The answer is 5 h 22 min
